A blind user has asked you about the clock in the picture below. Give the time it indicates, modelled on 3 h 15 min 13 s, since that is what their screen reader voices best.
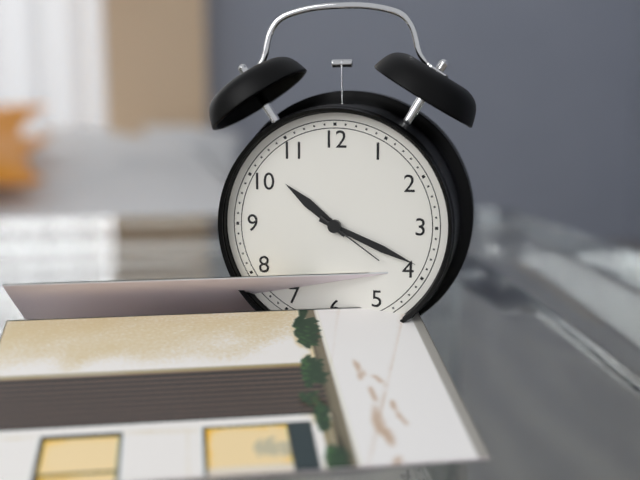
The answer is 10 h 19 min 21 s
